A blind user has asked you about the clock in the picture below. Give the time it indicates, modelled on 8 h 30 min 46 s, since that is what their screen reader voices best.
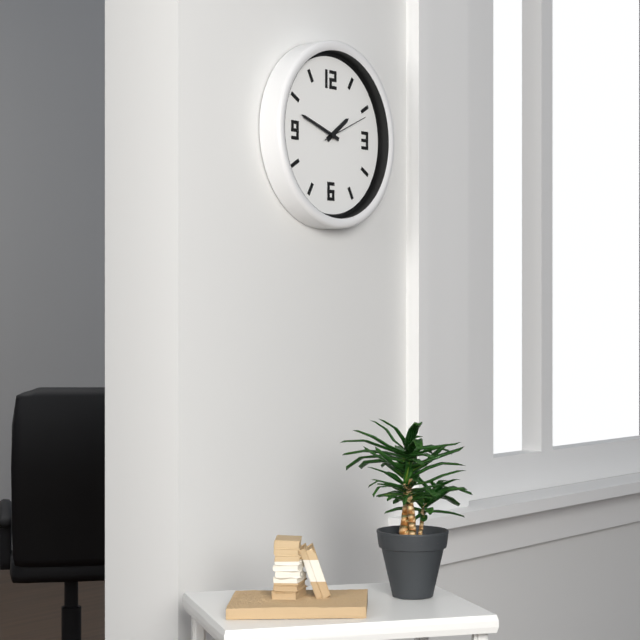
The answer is 1 h 48 min 11 s
